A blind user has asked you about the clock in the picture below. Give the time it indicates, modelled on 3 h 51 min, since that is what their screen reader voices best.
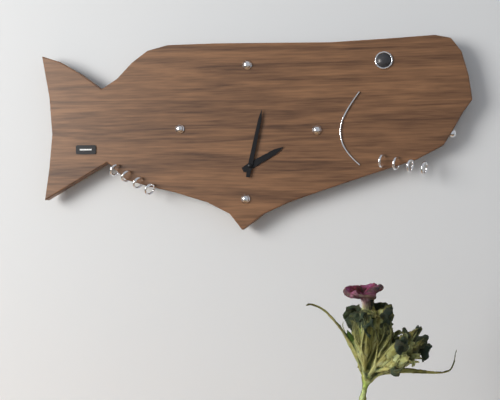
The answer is 2 h 02 min
